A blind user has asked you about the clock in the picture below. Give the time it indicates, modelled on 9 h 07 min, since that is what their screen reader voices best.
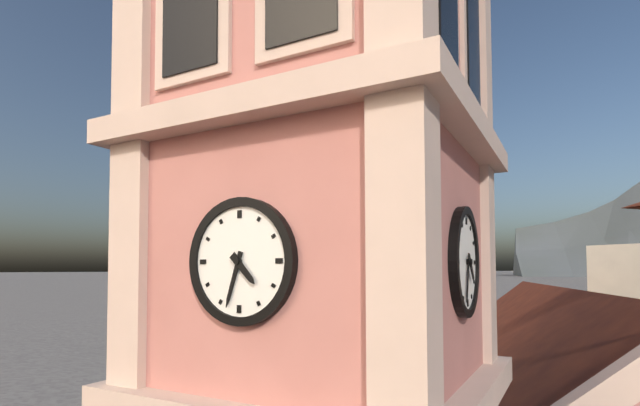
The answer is 4 h 33 min
